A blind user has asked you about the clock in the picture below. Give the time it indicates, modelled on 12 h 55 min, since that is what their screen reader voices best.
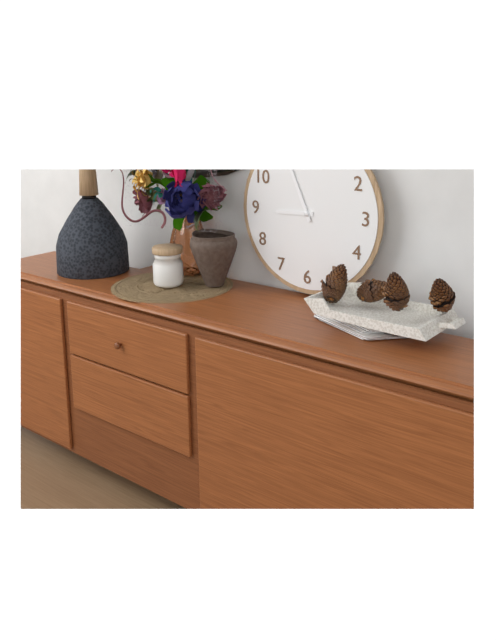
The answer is 8 h 56 min
